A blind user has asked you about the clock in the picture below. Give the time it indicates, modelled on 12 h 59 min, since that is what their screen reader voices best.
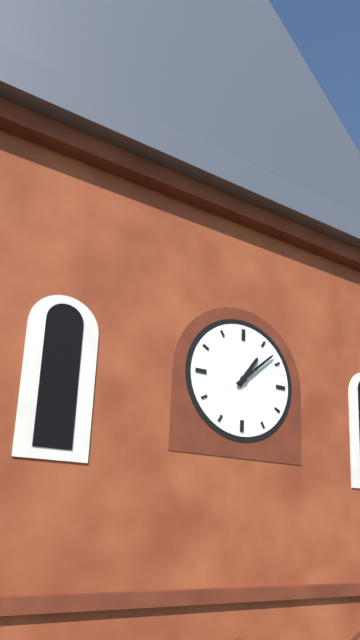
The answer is 1 h 08 min
